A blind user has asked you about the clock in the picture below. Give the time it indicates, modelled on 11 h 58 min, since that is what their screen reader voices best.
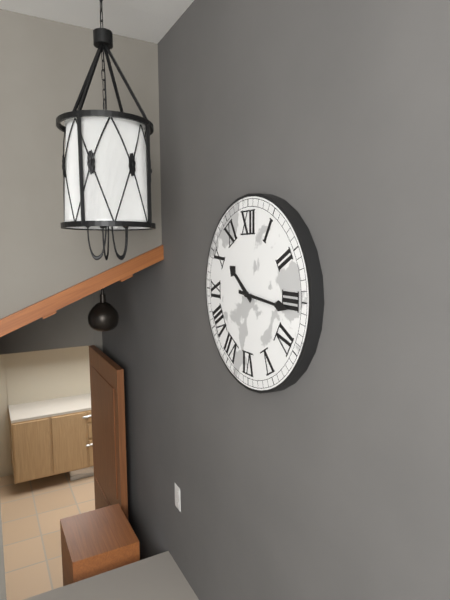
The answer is 10 h 16 min
